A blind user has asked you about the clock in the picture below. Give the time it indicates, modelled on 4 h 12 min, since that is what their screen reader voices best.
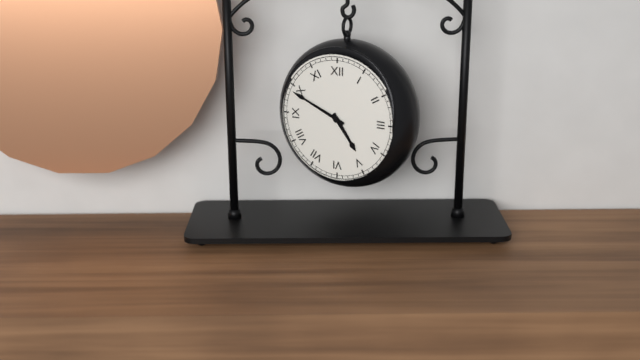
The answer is 4 h 49 min
